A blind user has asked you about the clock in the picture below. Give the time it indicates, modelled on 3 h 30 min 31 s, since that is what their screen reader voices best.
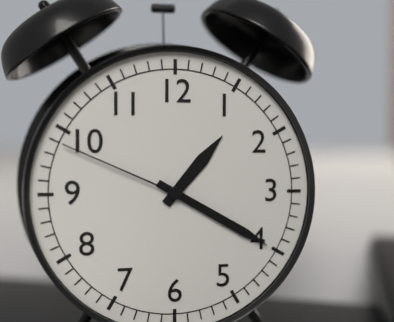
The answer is 1 h 20 min 49 s
